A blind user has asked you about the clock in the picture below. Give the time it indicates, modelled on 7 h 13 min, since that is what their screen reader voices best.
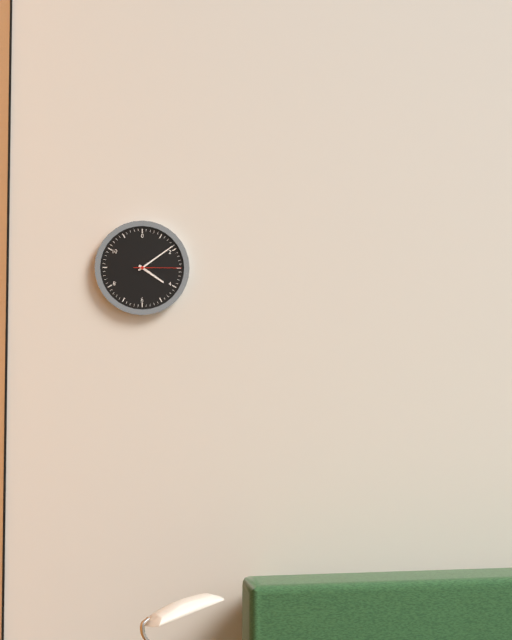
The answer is 4 h 09 min
